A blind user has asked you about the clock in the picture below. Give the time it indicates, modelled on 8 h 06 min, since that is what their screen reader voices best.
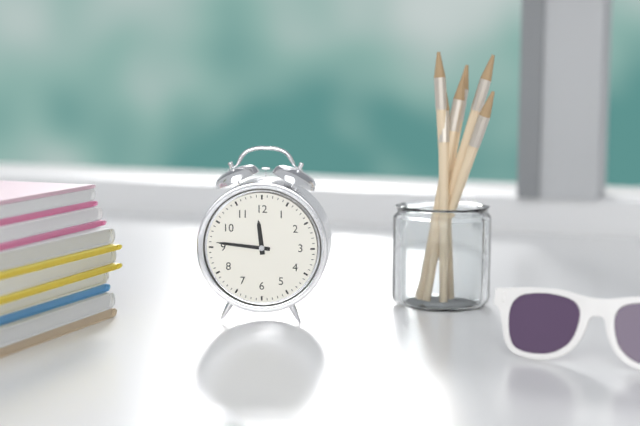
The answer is 11 h 46 min
